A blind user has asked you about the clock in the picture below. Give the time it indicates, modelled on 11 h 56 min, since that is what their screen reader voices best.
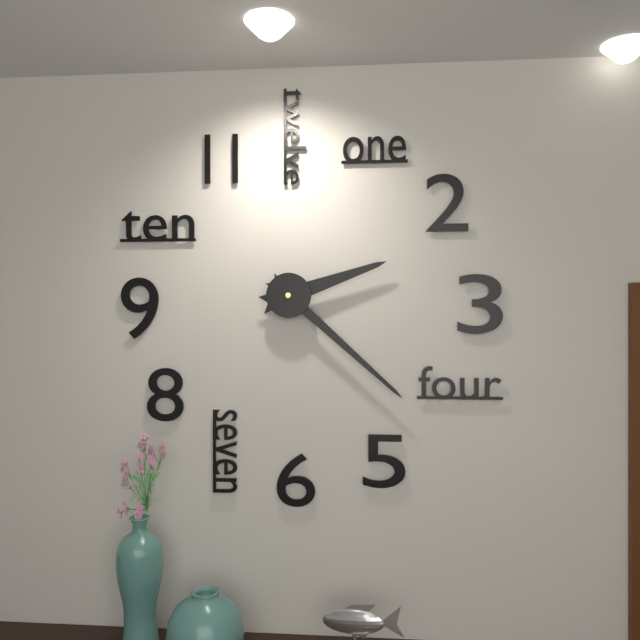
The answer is 2 h 22 min
